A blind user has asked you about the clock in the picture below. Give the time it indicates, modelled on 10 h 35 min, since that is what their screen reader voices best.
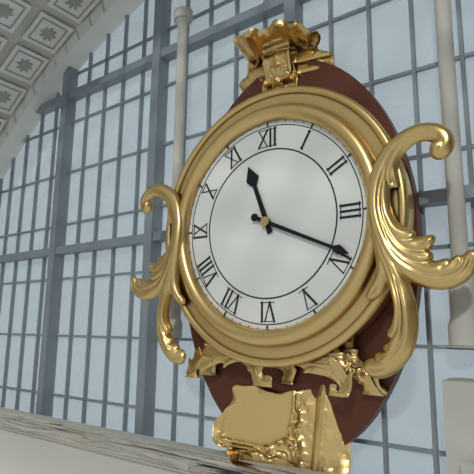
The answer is 11 h 19 min
